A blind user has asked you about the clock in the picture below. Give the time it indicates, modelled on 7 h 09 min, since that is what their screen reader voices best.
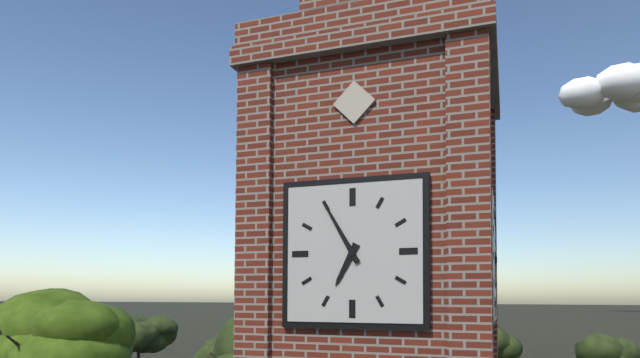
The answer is 6 h 55 min
